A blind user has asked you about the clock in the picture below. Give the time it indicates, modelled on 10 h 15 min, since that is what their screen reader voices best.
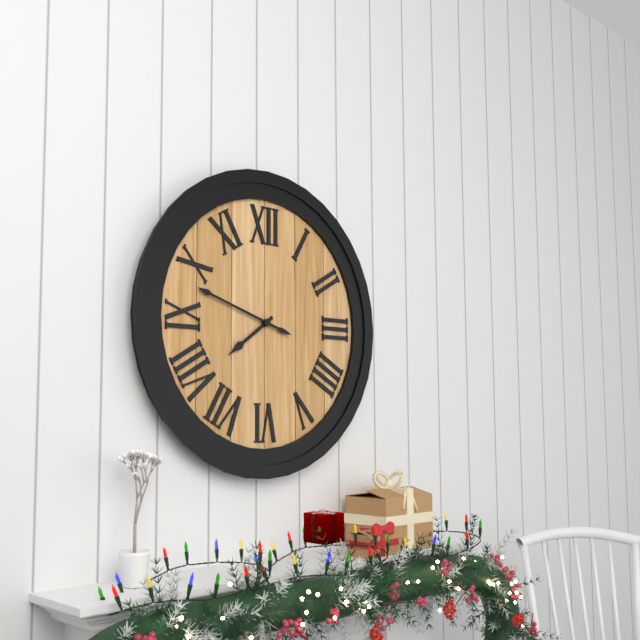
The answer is 7 h 48 min
